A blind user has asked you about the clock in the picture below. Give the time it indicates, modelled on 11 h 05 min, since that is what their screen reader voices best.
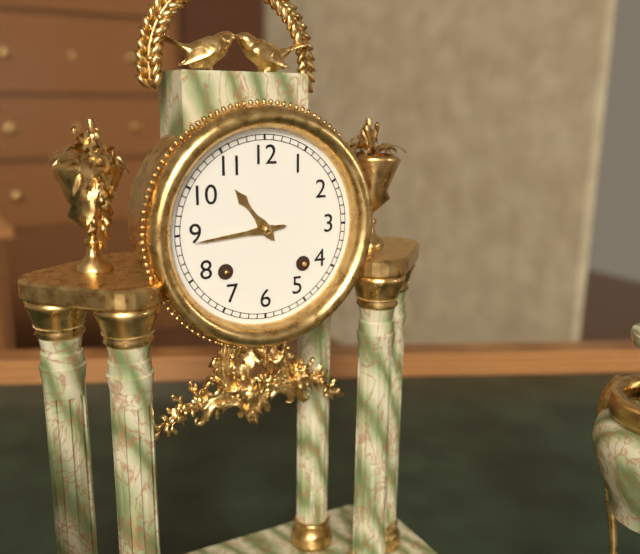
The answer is 10 h 44 min
